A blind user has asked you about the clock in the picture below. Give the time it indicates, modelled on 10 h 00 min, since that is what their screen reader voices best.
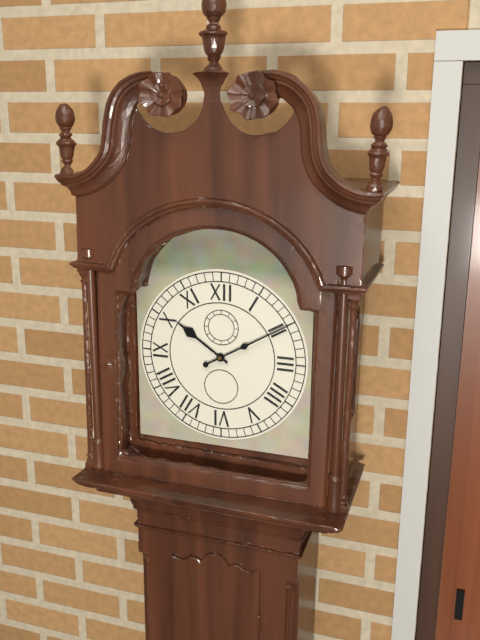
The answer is 10 h 10 min
